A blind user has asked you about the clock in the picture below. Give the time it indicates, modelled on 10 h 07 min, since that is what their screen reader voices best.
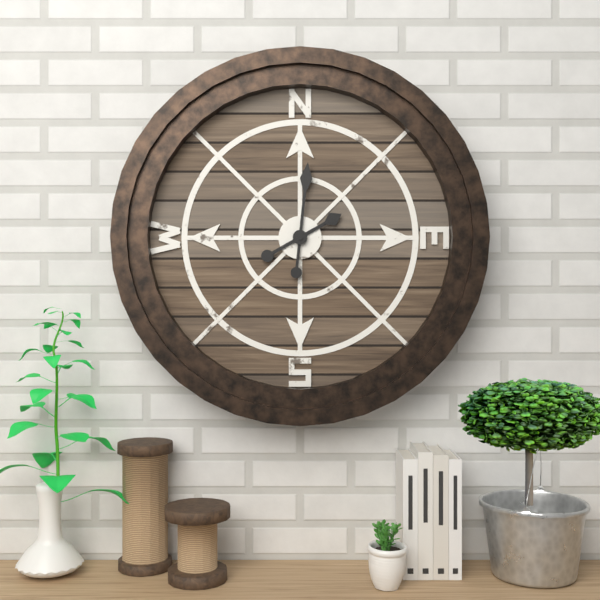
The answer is 2 h 01 min
